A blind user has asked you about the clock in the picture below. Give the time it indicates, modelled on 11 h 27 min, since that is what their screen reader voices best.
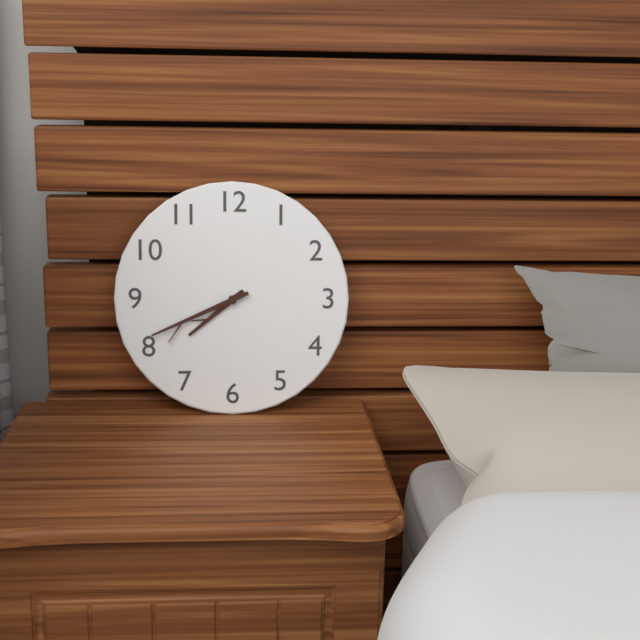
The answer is 7 h 41 min
